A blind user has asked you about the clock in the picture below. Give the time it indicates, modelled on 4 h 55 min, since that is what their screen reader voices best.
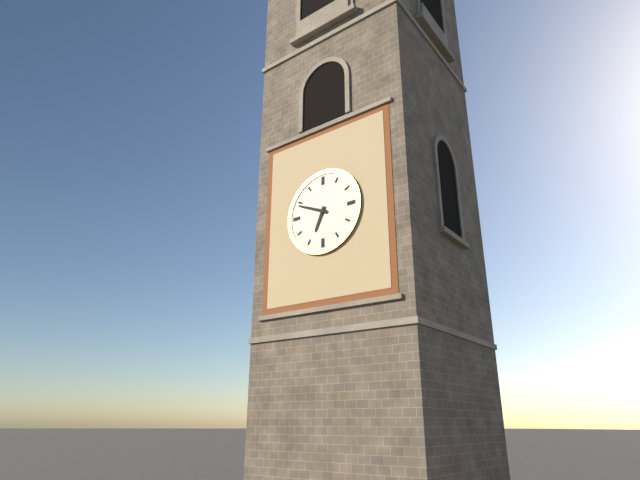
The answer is 6 h 49 min
